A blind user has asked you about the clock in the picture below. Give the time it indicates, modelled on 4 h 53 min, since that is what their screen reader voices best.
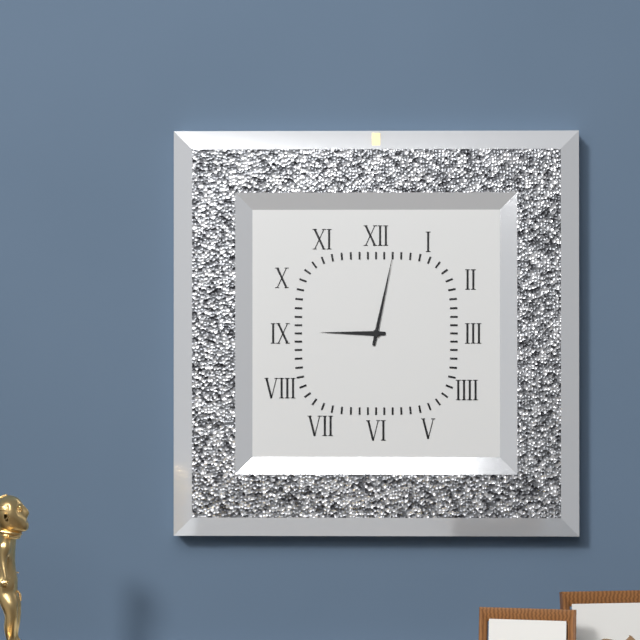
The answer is 9 h 02 min
